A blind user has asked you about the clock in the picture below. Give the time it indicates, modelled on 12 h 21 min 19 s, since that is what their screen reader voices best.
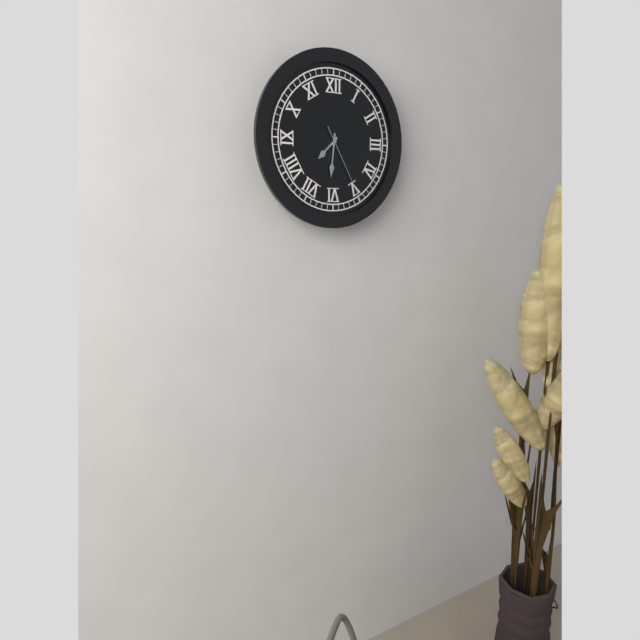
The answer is 7 h 31 min 25 s
